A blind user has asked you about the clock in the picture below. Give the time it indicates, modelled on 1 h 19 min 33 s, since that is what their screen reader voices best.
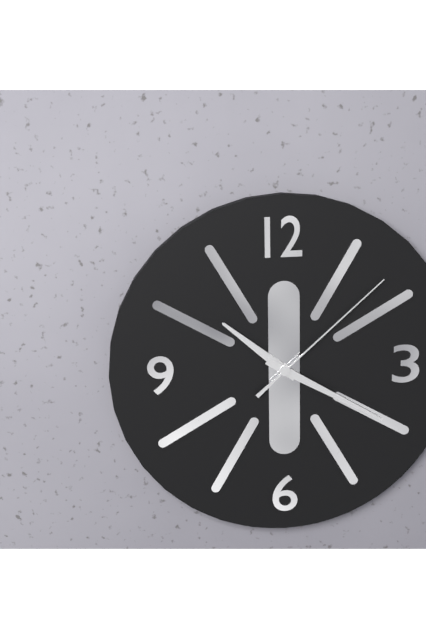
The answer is 10 h 20 min 08 s
